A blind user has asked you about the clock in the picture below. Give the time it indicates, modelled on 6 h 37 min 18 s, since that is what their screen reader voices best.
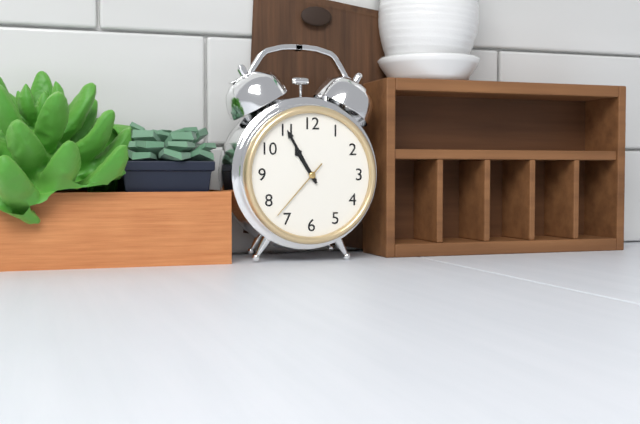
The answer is 10 h 55 min 37 s
